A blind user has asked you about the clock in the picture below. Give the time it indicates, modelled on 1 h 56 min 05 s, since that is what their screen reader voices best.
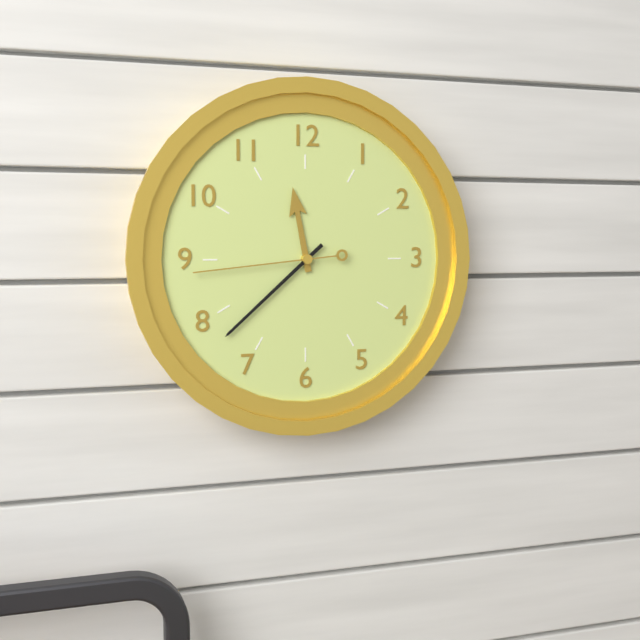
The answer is 11 h 38 min 44 s
